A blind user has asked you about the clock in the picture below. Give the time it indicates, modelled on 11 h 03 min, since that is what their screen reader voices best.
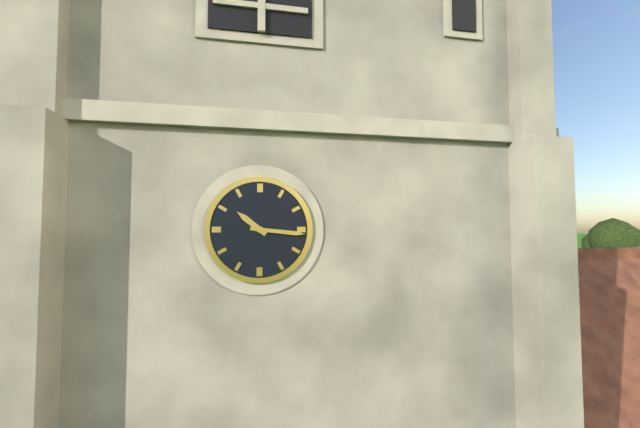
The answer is 10 h 16 min
